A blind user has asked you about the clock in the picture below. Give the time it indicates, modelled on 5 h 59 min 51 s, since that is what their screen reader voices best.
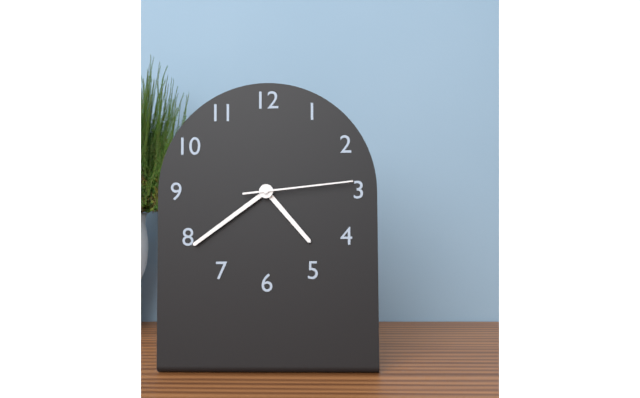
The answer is 4 h 39 min 14 s
